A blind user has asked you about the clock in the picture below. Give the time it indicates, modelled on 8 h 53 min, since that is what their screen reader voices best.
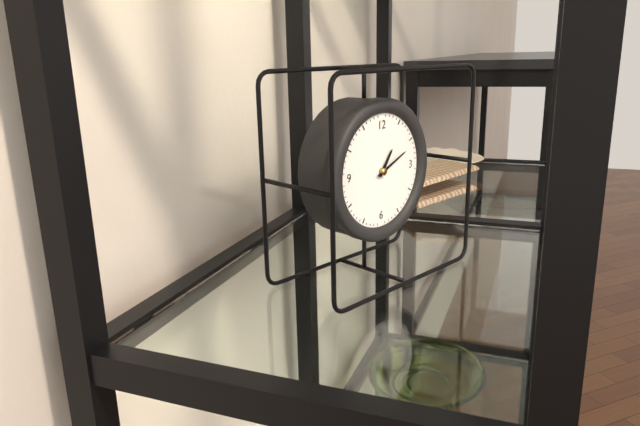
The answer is 1 h 11 min
